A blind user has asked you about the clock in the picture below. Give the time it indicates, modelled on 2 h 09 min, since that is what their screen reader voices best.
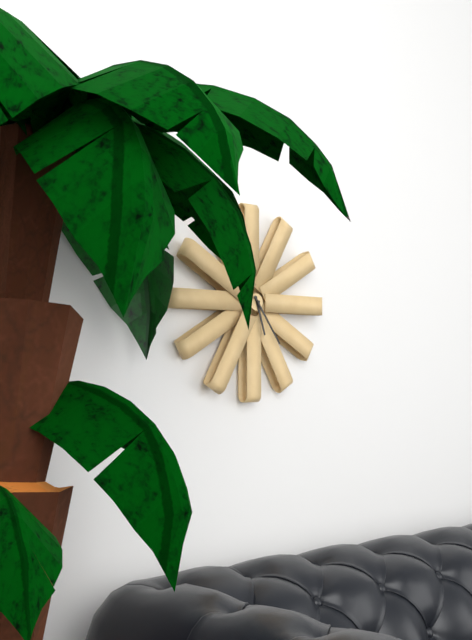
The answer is 5 h 24 min
